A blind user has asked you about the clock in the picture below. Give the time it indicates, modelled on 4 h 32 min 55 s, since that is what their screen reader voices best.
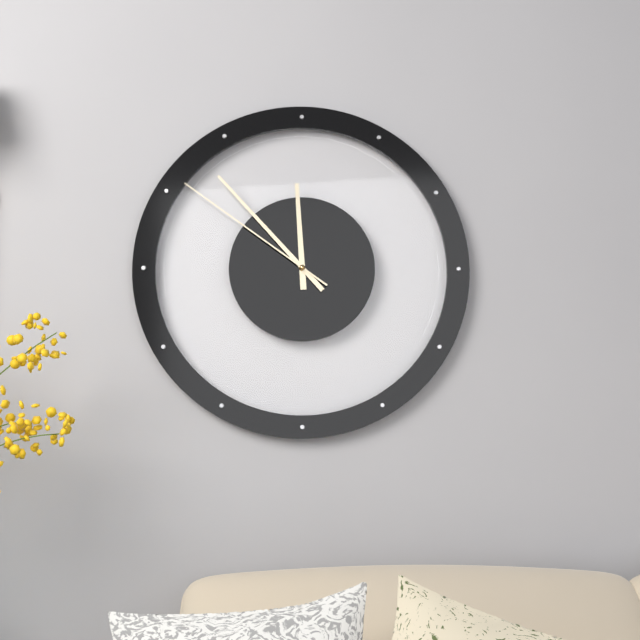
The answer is 11 h 53 min 51 s
